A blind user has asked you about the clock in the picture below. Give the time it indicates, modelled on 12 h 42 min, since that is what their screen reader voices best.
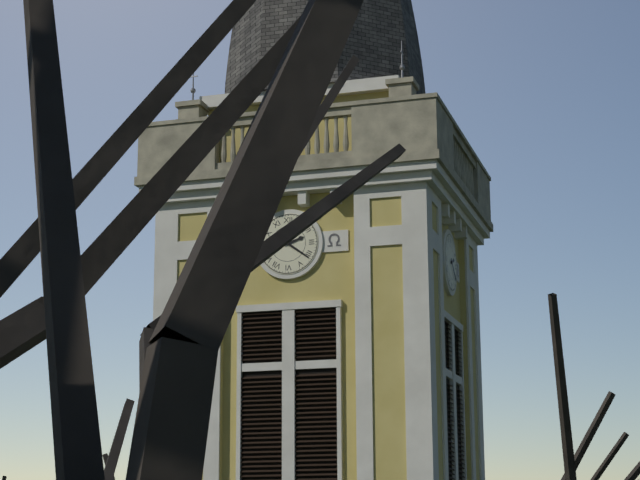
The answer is 2 h 21 min
